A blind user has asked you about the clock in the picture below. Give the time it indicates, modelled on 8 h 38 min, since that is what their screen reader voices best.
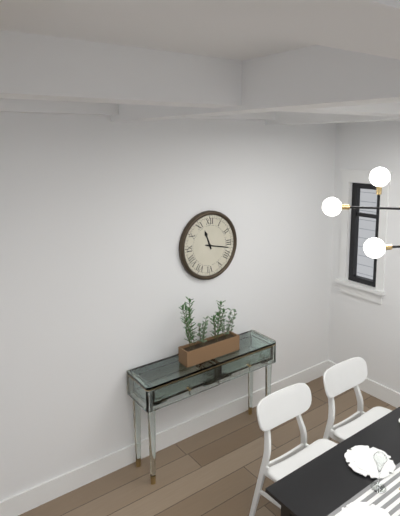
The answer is 11 h 17 min
